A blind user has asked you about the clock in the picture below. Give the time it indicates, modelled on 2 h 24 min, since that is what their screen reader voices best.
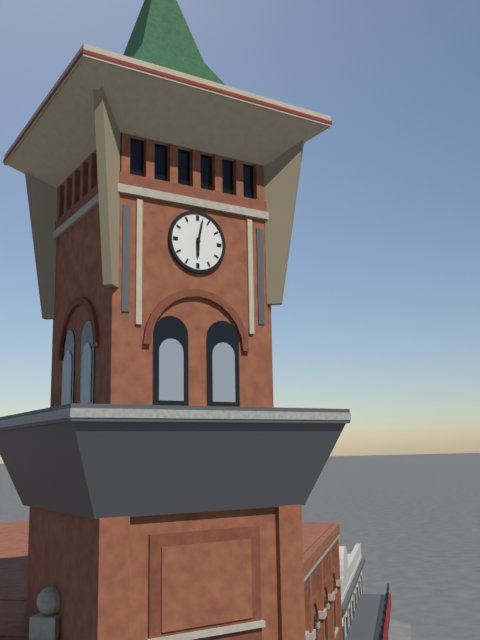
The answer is 6 h 02 min
